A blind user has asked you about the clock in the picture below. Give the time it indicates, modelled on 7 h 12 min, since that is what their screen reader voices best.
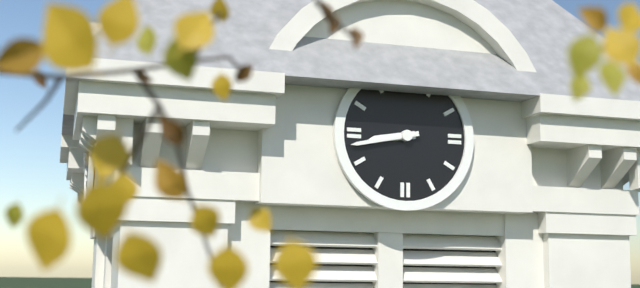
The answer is 8 h 43 min
